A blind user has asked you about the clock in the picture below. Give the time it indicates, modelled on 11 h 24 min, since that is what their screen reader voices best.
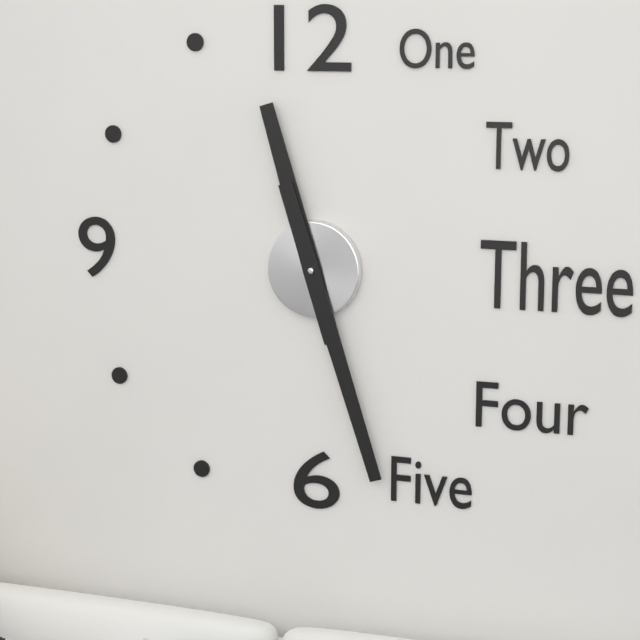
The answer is 11 h 27 min
